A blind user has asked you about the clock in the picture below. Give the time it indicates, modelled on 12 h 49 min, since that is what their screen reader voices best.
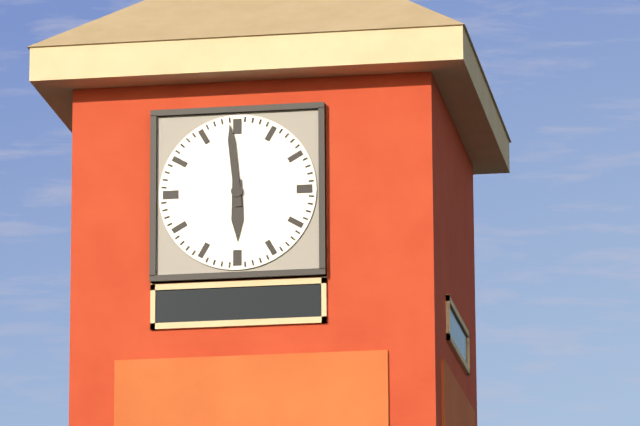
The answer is 5 h 59 min
